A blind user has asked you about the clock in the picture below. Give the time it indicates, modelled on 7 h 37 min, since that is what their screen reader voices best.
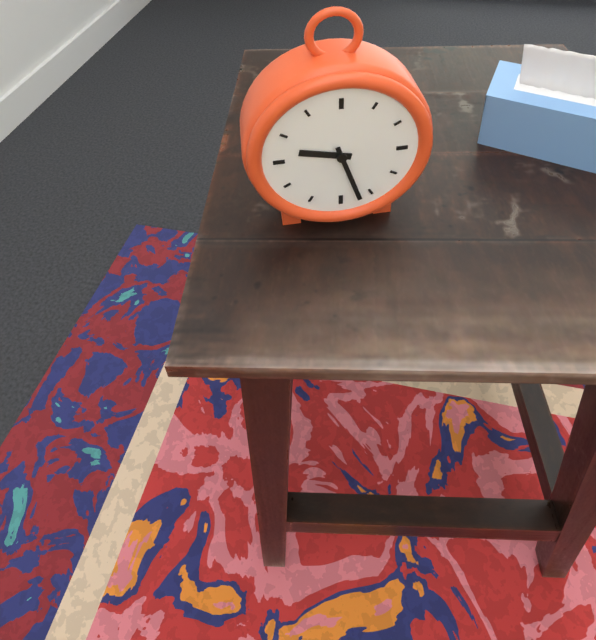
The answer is 9 h 27 min
